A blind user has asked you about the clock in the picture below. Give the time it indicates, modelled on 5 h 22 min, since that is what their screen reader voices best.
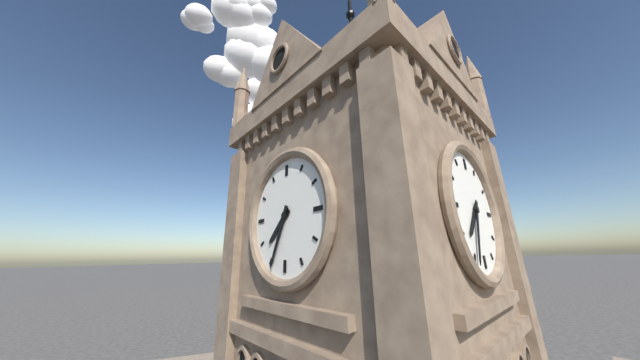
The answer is 7 h 34 min
